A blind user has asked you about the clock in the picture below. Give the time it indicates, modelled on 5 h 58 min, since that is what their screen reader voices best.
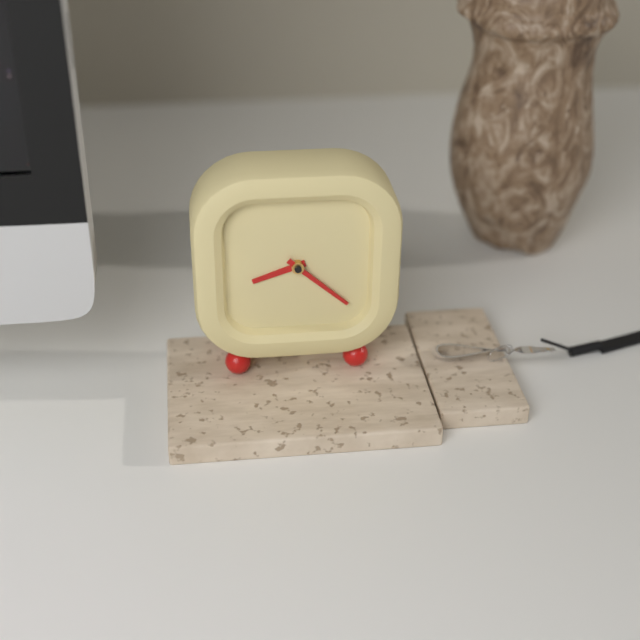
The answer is 8 h 22 min
